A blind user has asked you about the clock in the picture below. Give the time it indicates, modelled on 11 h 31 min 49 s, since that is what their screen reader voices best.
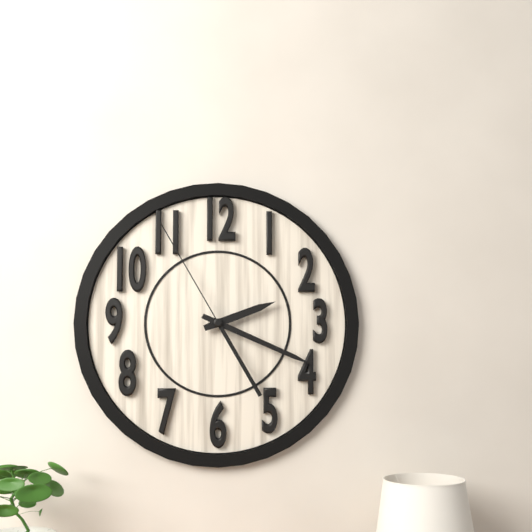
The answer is 2 h 19 min 55 s
